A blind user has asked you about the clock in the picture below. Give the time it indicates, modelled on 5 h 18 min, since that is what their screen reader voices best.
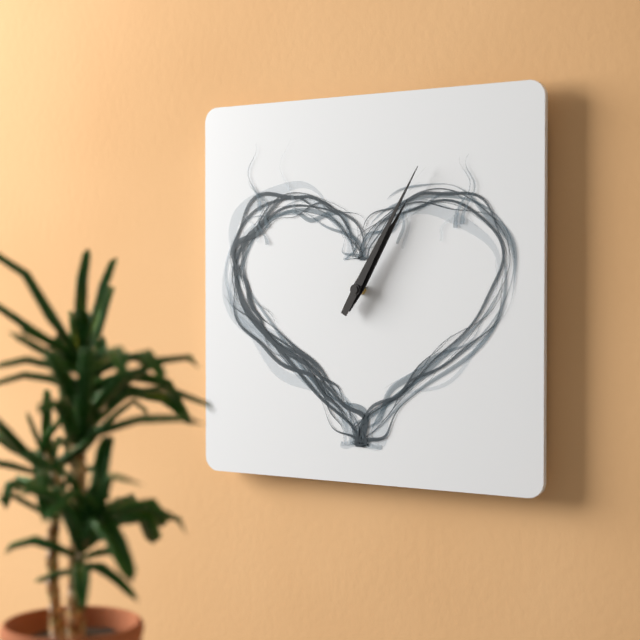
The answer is 1 h 05 min
